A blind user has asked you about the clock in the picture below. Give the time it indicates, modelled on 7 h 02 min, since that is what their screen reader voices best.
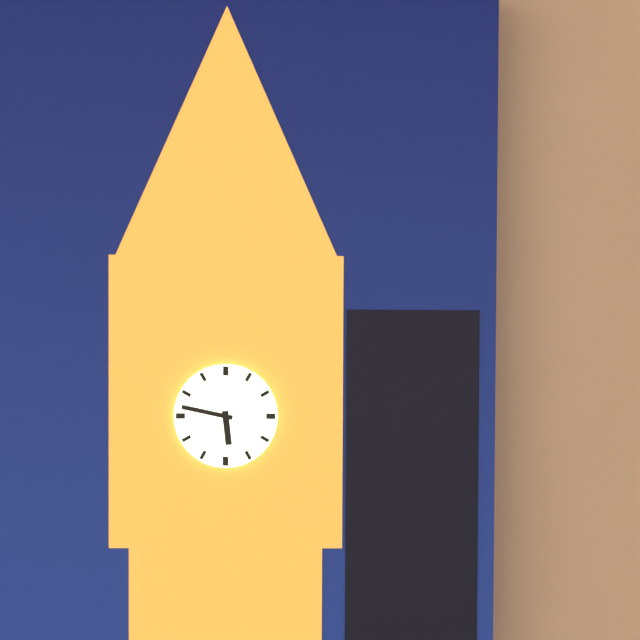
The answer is 5 h 47 min
